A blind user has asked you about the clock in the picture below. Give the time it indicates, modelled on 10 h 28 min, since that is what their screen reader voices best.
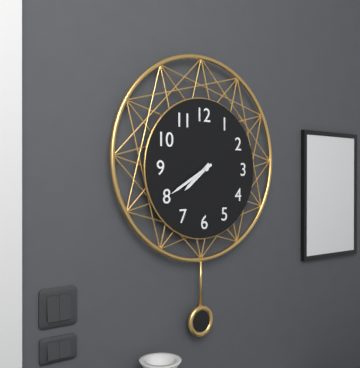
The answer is 7 h 40 min
